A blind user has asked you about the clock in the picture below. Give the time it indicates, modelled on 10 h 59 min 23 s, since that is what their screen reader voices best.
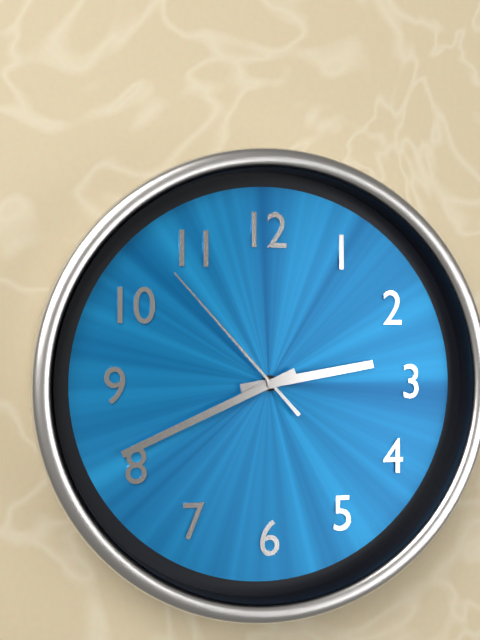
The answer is 2 h 41 min 53 s
